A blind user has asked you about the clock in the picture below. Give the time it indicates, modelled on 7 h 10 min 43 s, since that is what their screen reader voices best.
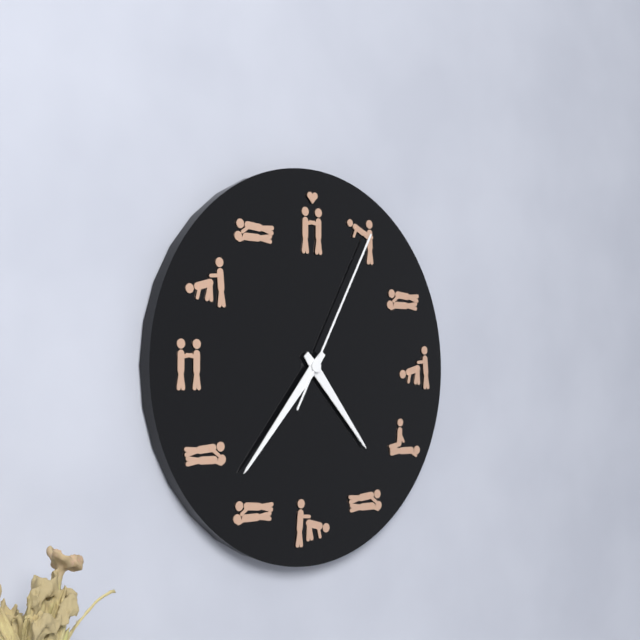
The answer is 4 h 37 min 05 s
